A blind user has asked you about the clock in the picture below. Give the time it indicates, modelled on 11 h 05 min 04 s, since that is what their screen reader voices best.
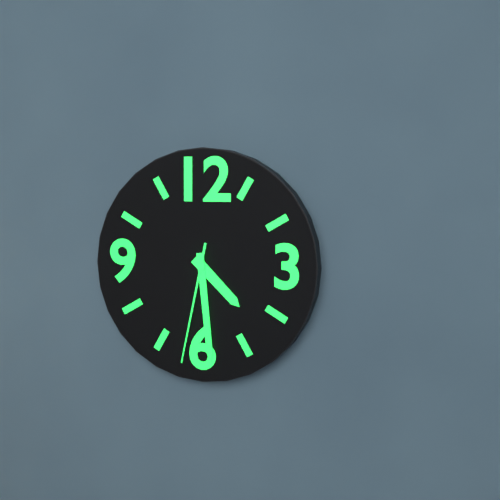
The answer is 4 h 29 min 32 s
